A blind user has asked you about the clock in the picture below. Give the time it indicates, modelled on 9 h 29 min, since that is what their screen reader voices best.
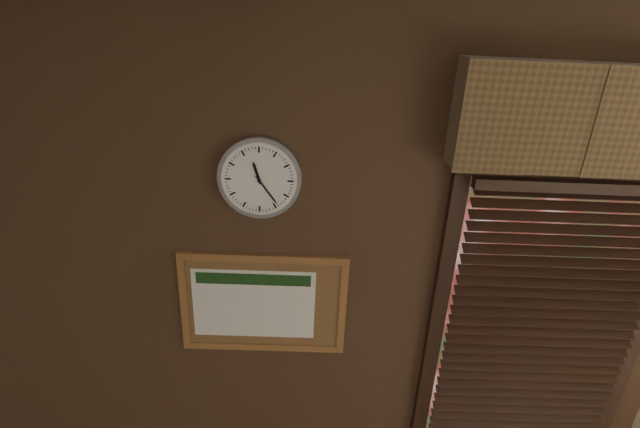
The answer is 11 h 24 min
